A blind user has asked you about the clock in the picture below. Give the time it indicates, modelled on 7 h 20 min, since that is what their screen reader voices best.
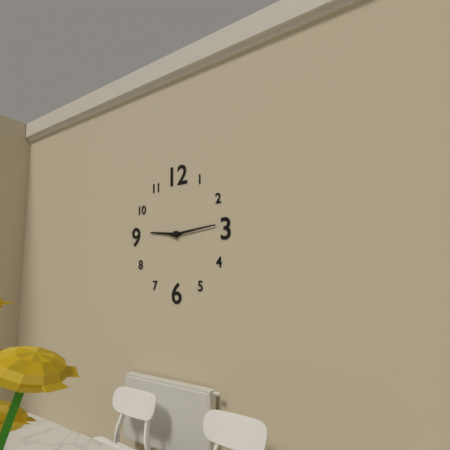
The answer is 9 h 14 min
